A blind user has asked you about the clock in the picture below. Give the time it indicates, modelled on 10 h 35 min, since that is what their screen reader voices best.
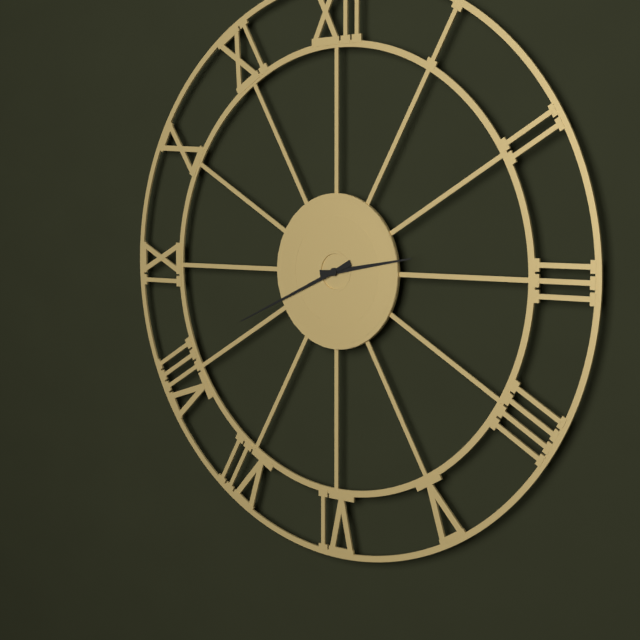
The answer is 2 h 41 min
